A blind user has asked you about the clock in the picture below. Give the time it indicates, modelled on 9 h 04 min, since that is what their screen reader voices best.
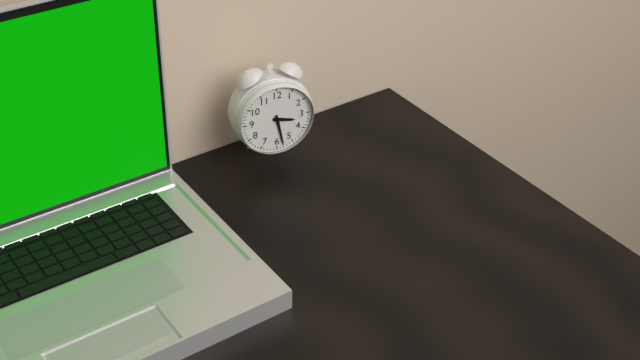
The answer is 3 h 28 min
